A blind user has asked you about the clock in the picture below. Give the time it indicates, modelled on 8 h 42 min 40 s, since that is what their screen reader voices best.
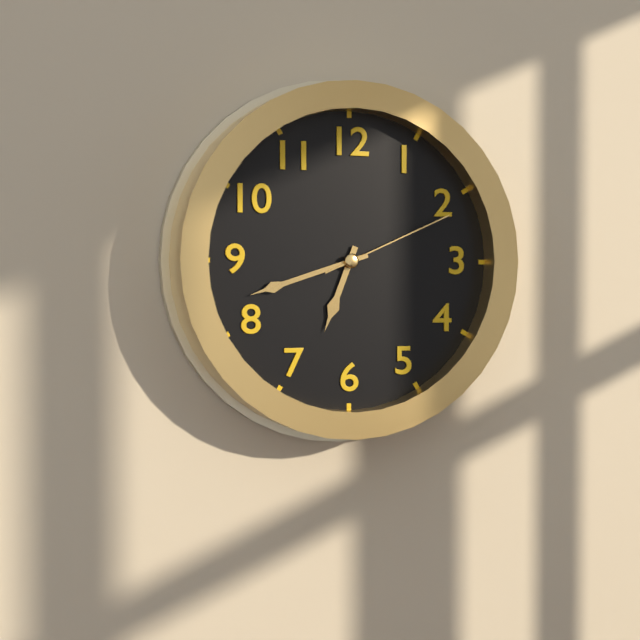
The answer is 6 h 42 min 11 s
